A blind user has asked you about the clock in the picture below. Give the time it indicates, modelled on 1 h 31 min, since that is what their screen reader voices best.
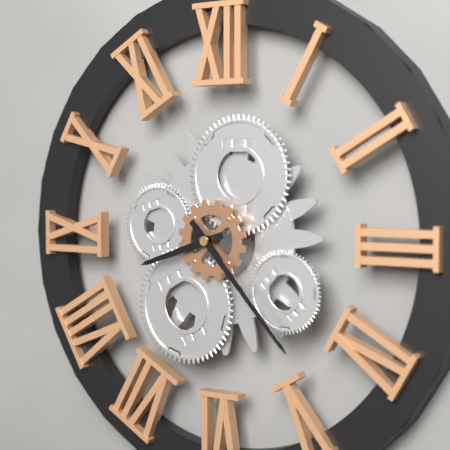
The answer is 8 h 23 min
